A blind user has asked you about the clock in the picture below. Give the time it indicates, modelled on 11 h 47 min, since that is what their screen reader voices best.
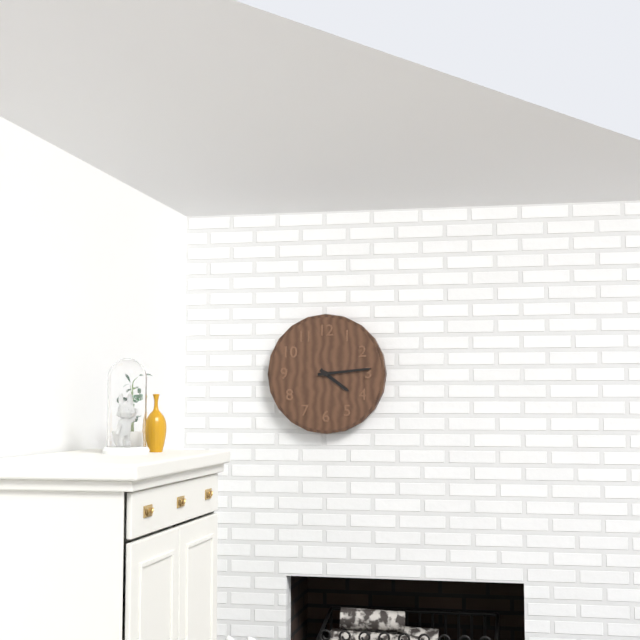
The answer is 4 h 14 min
